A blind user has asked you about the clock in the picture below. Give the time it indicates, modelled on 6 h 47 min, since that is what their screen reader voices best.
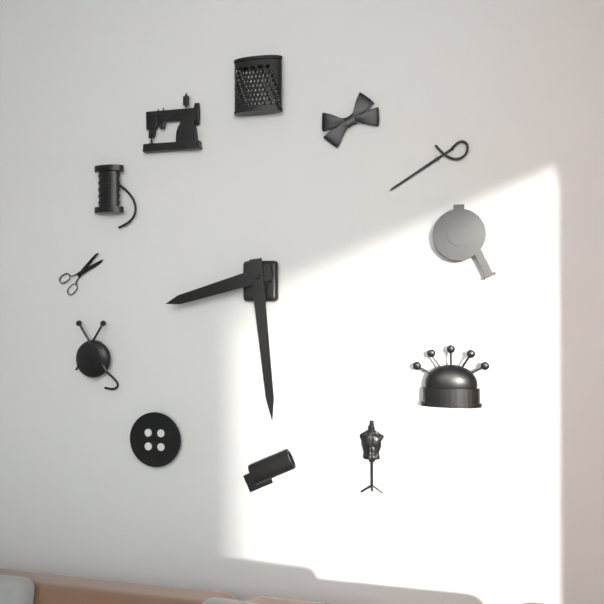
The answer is 8 h 29 min
